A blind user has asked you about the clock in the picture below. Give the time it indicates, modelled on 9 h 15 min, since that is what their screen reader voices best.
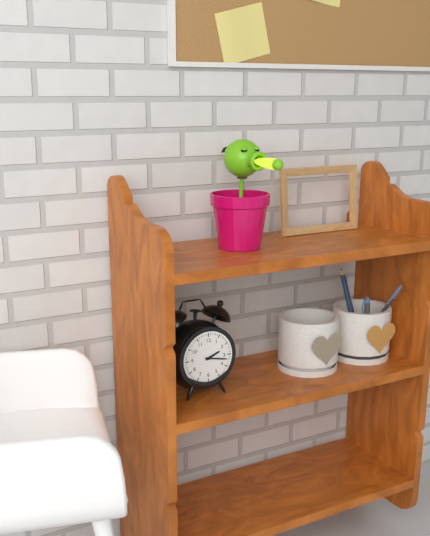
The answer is 2 h 17 min
